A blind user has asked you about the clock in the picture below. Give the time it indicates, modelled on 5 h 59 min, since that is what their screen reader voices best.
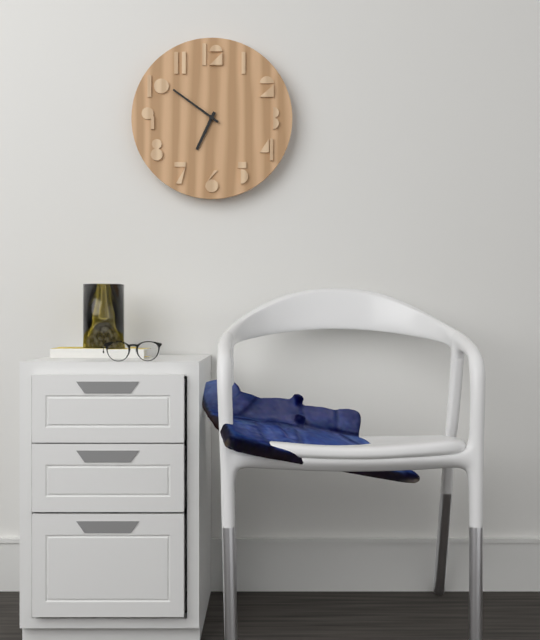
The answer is 6 h 51 min
